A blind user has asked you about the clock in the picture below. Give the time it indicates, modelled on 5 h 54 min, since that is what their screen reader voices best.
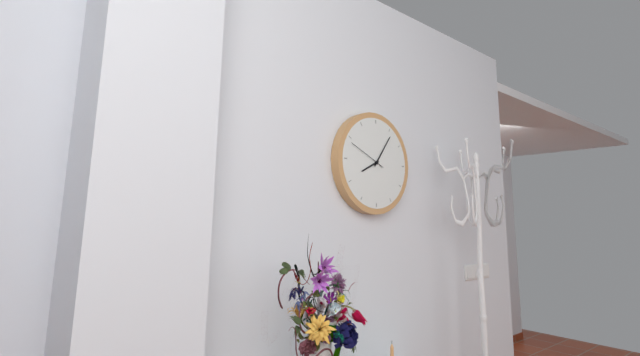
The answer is 8 h 06 min
